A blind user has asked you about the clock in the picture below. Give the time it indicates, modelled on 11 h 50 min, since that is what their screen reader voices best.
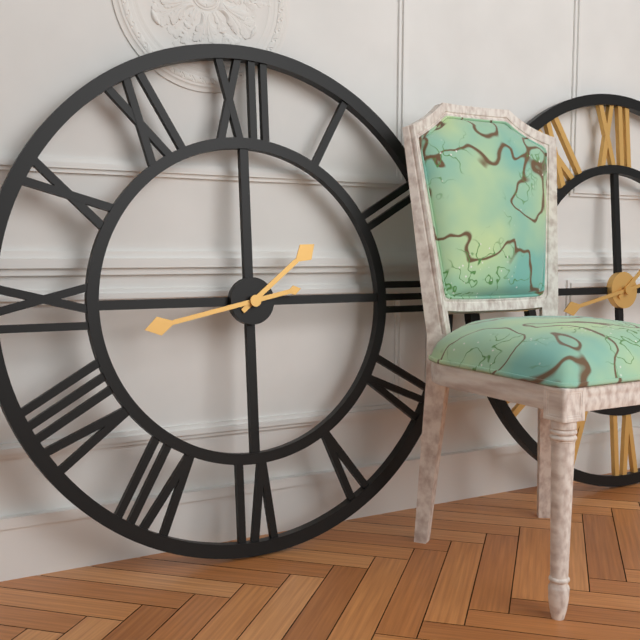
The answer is 1 h 43 min
